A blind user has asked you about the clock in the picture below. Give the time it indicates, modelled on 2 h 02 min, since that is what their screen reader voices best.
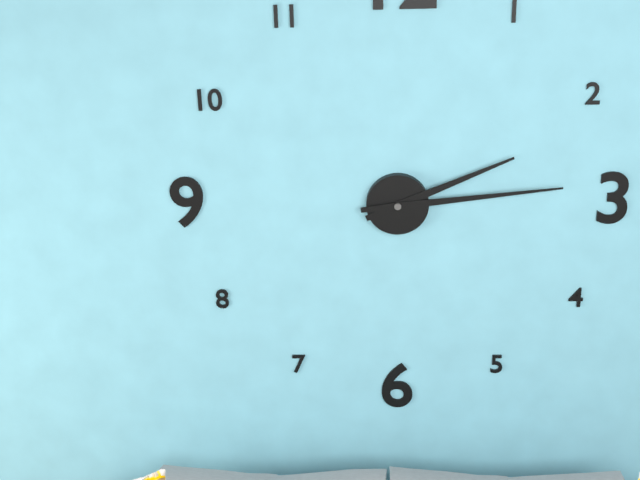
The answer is 2 h 14 min
